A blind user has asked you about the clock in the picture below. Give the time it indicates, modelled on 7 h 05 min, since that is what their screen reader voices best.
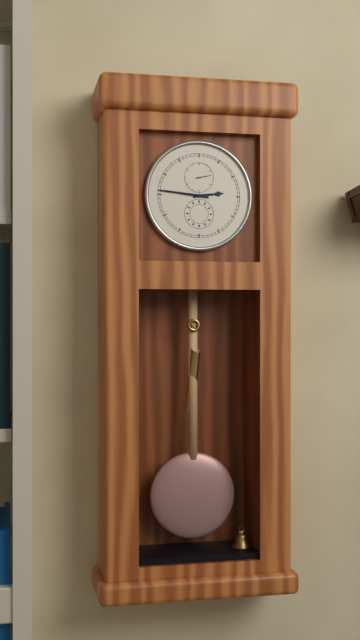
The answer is 2 h 46 min
